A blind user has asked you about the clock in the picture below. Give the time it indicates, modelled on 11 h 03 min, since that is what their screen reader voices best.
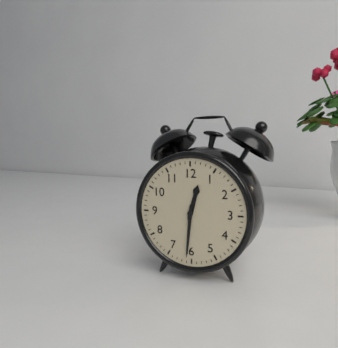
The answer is 12 h 31 min
